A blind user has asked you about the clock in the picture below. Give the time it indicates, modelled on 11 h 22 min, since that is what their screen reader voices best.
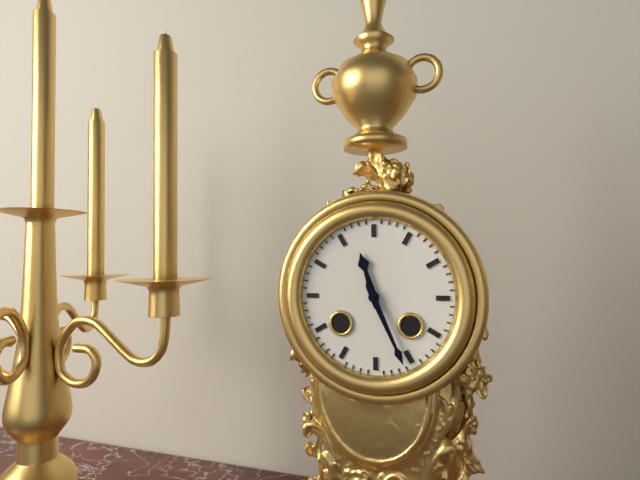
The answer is 11 h 26 min
